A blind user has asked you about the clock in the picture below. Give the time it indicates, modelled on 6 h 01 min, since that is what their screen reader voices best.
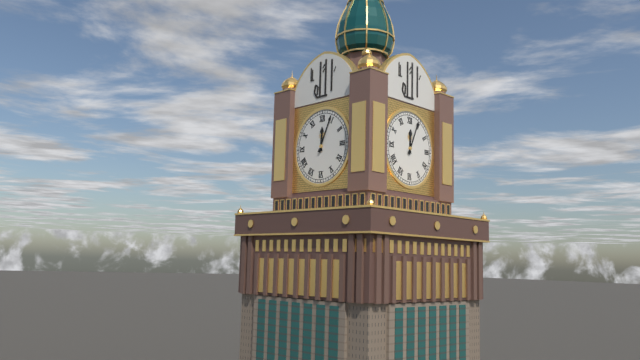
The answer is 12 h 04 min
